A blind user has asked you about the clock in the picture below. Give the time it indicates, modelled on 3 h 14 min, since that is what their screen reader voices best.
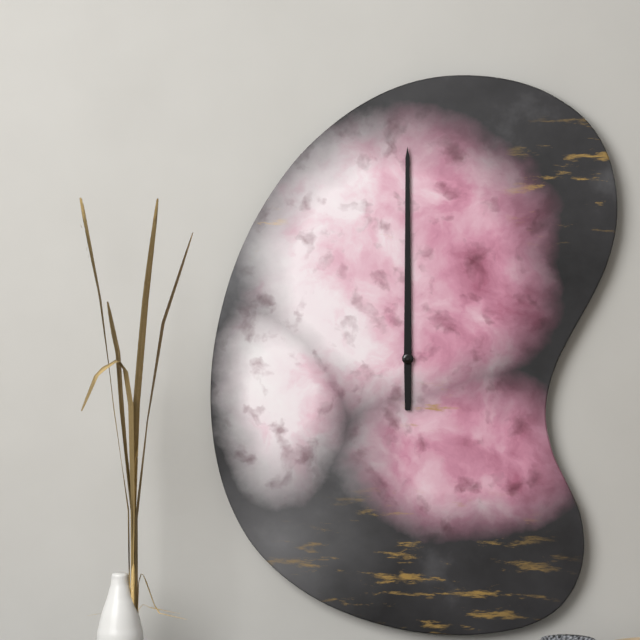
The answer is 12 h 00 min
